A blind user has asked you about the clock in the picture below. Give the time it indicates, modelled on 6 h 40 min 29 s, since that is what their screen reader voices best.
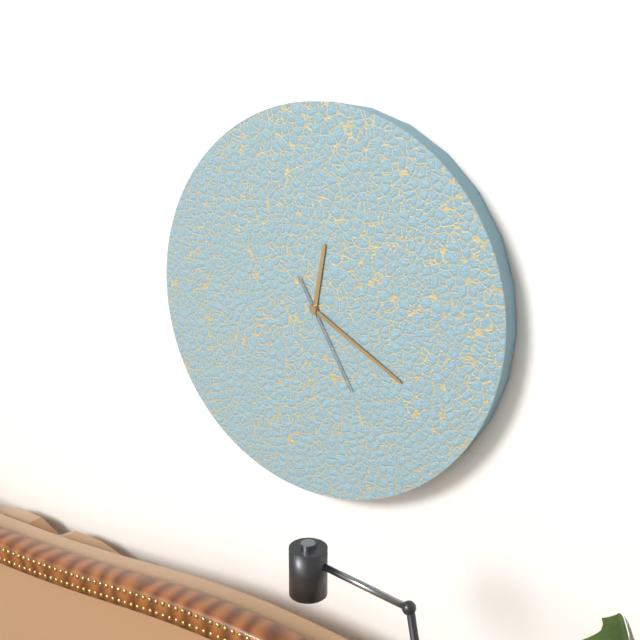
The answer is 12 h 20 min 25 s
